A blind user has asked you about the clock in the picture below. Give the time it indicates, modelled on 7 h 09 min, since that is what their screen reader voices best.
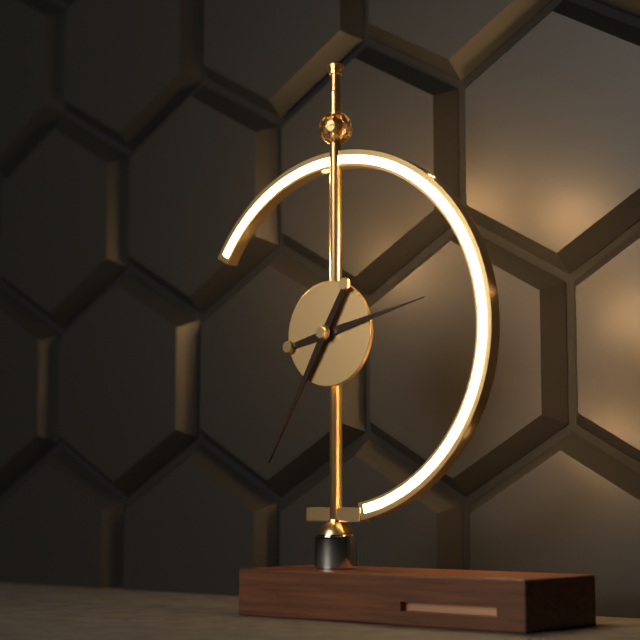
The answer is 2 h 35 min
